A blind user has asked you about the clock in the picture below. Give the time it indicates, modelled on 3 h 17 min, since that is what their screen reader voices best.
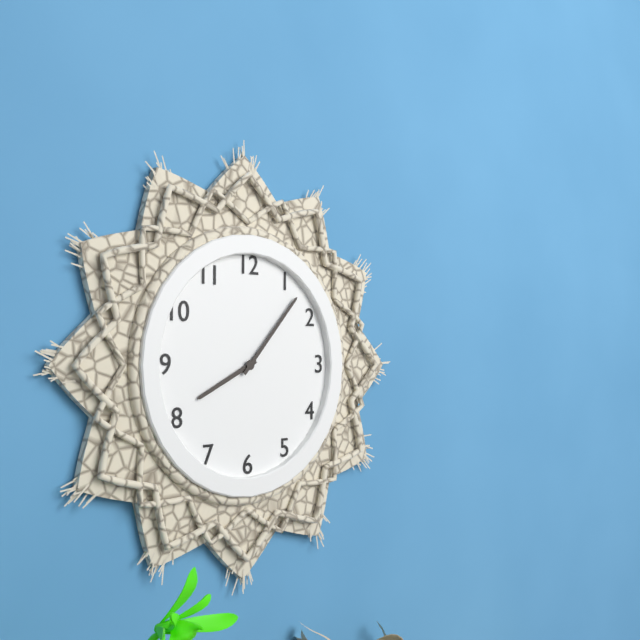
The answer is 8 h 07 min
